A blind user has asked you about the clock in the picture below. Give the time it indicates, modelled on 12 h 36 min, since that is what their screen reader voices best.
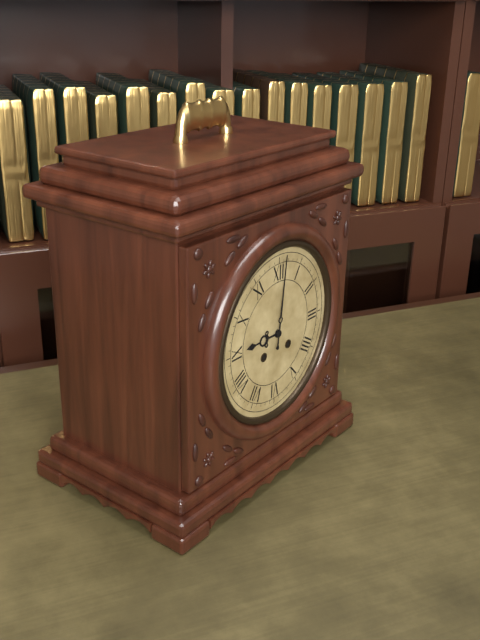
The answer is 9 h 01 min
